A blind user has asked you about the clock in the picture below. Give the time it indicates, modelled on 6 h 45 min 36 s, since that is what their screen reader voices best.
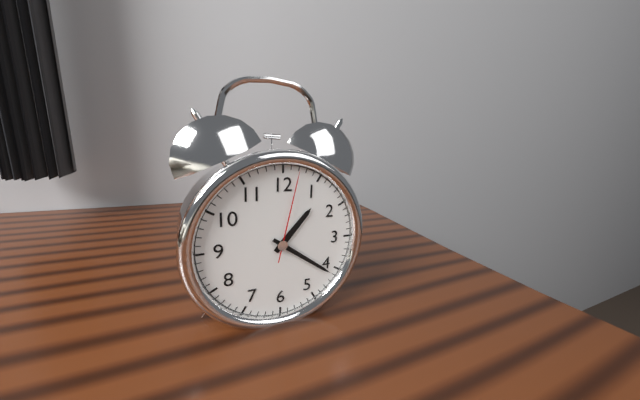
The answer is 1 h 21 min 02 s
